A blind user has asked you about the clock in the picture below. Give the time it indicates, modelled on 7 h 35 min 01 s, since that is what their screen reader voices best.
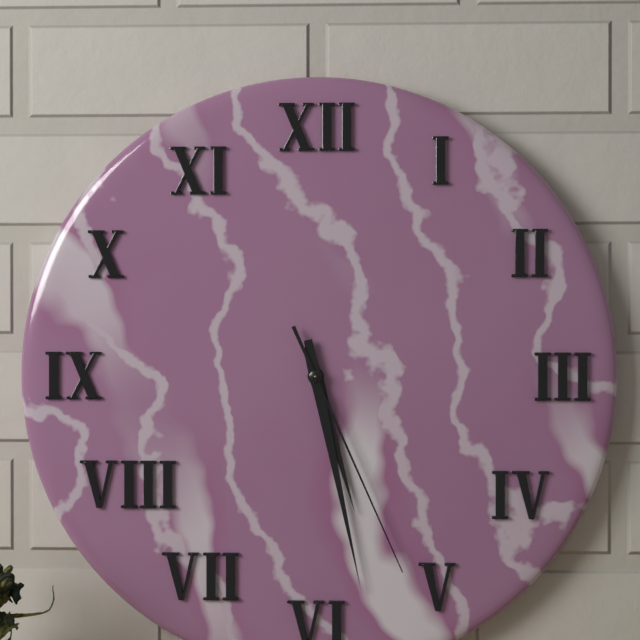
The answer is 5 h 28 min 26 s
